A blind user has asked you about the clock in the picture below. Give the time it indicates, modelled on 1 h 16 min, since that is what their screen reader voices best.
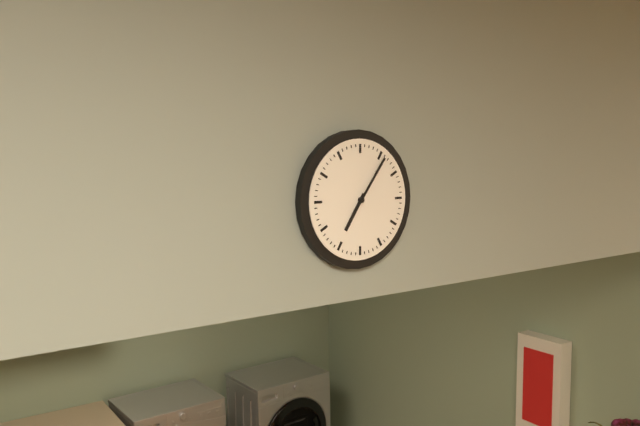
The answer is 7 h 06 min
